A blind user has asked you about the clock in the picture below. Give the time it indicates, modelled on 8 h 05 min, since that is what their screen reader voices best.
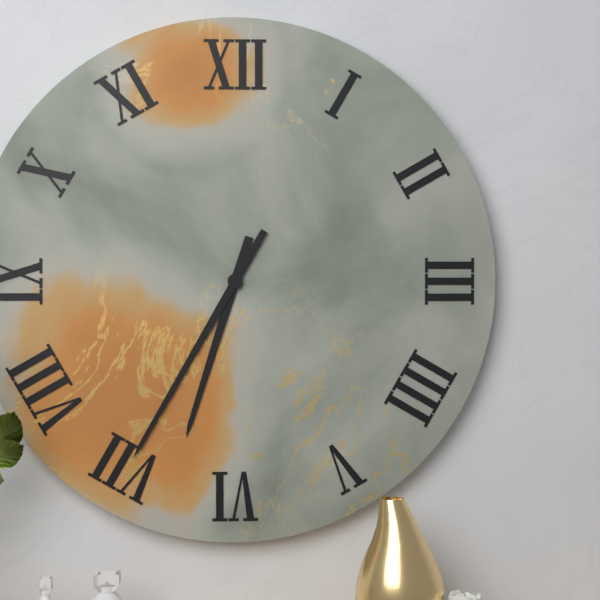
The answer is 6 h 35 min
